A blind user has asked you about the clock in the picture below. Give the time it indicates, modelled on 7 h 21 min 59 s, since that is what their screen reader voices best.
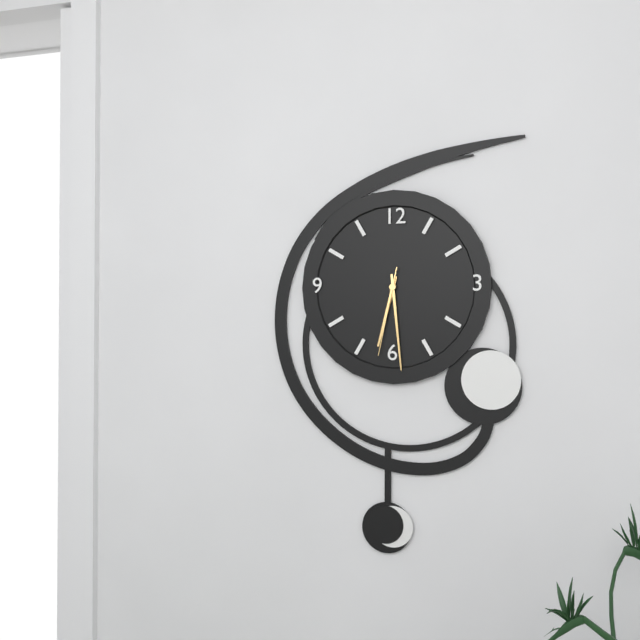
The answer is 6 h 29 min 32 s
